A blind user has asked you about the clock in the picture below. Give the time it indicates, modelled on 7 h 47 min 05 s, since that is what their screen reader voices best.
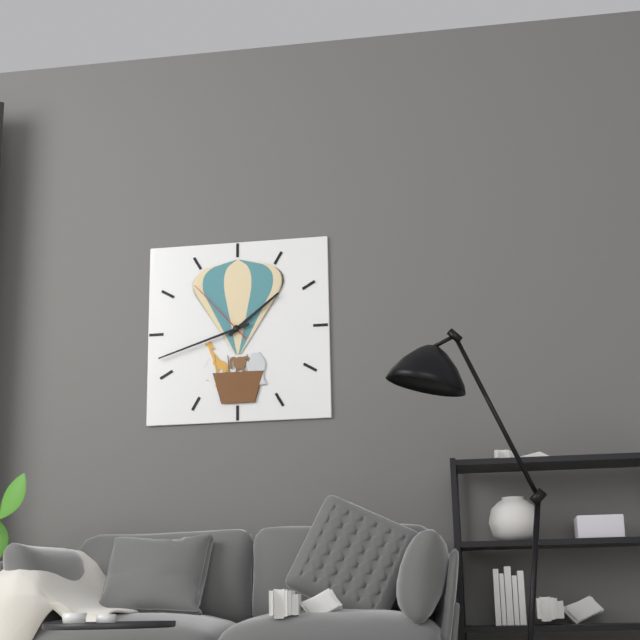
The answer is 1 h 42 min 53 s
